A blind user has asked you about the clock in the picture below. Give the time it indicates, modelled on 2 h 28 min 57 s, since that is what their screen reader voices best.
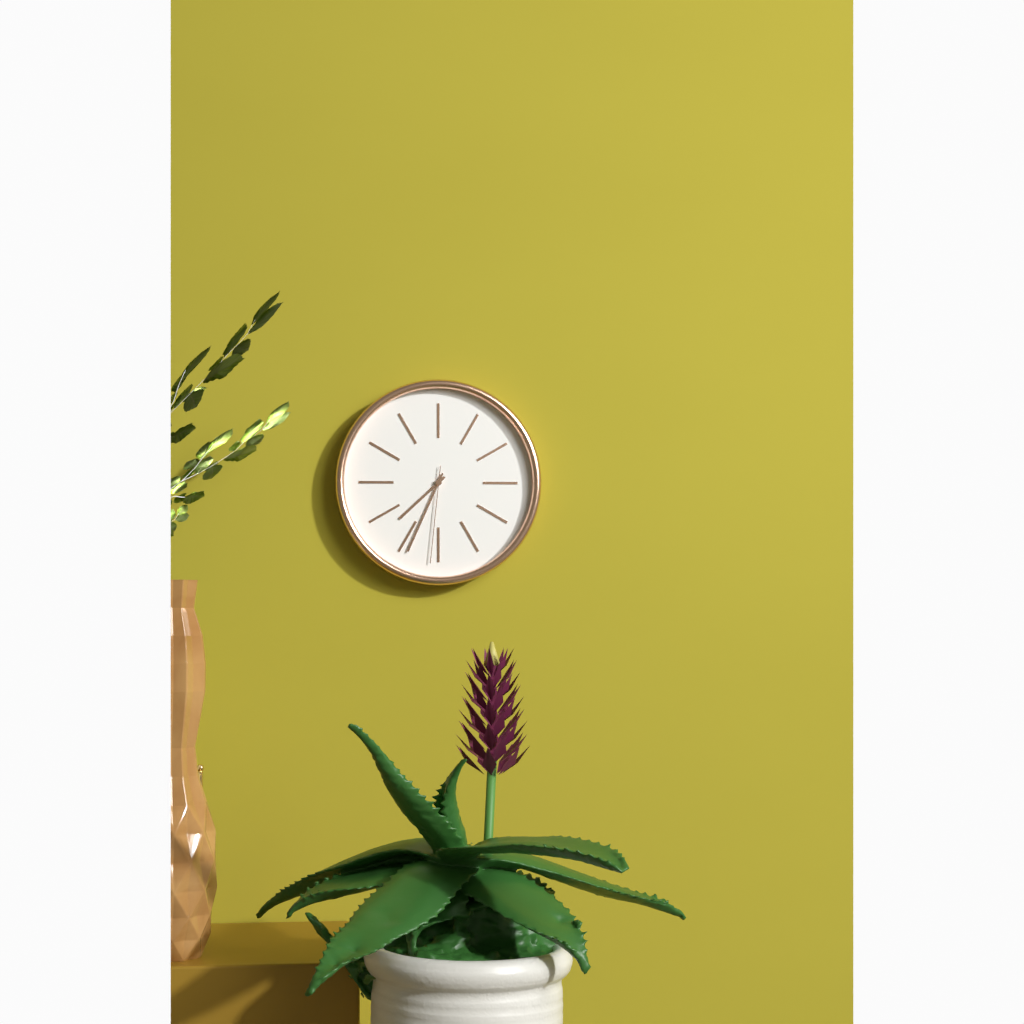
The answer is 7 h 34 min 31 s
